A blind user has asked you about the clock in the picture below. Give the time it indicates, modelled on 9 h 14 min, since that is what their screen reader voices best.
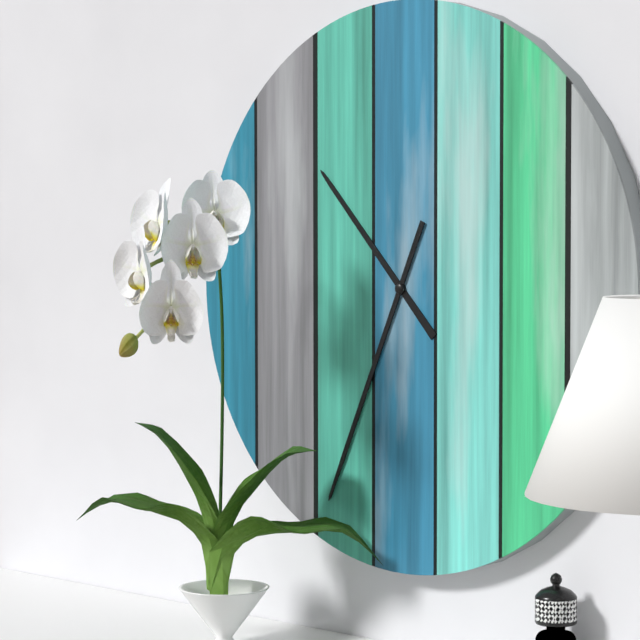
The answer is 10 h 34 min
